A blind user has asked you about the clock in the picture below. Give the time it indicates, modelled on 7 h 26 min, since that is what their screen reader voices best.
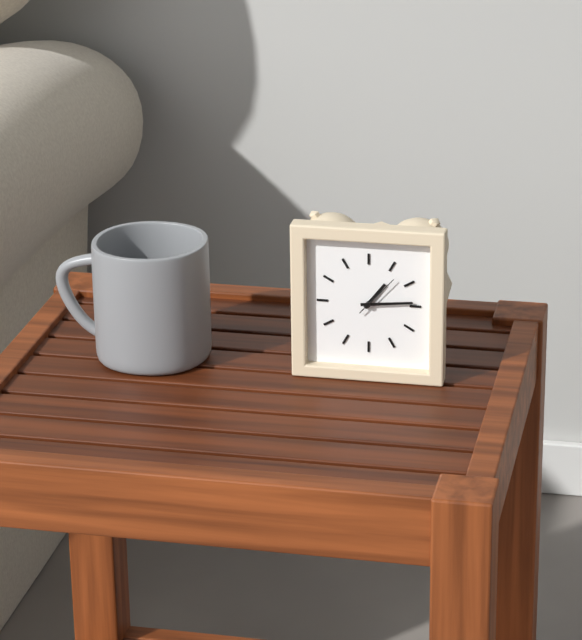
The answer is 1 h 14 min
